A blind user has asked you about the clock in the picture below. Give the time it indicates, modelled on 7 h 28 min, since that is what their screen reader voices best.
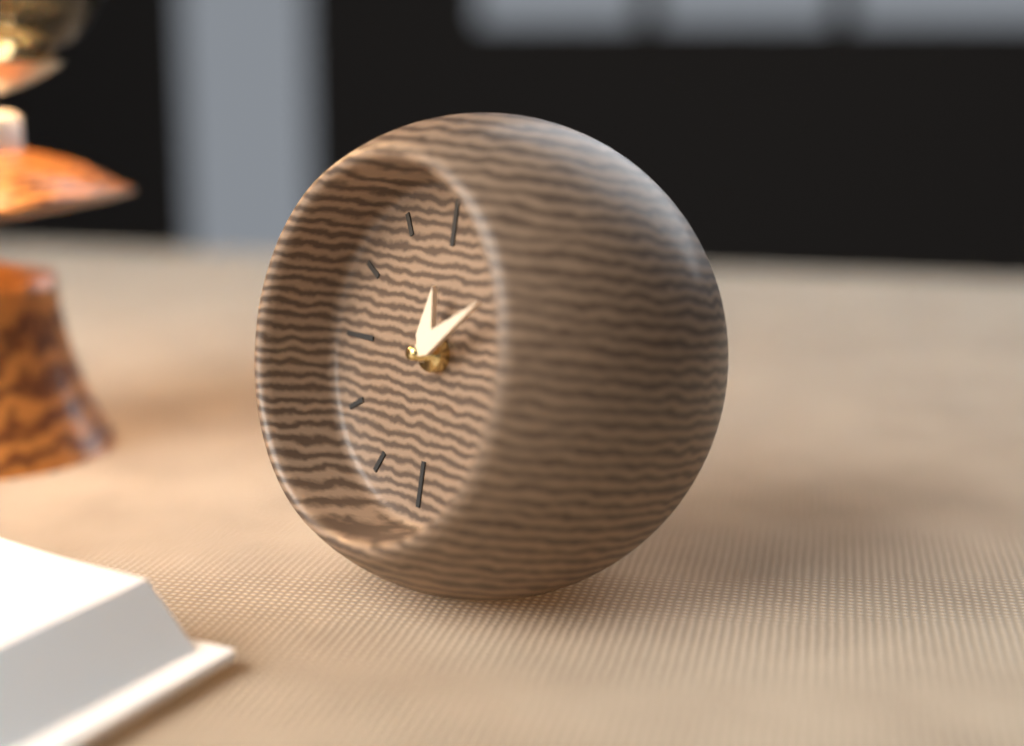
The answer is 12 h 09 min
